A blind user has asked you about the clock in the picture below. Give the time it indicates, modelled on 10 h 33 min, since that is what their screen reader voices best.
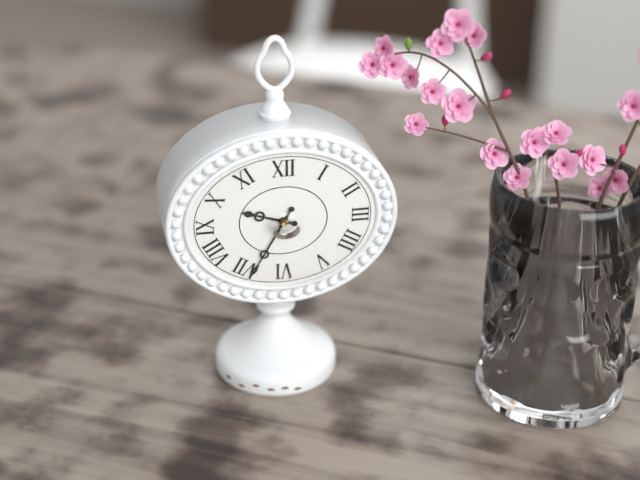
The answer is 9 h 35 min
